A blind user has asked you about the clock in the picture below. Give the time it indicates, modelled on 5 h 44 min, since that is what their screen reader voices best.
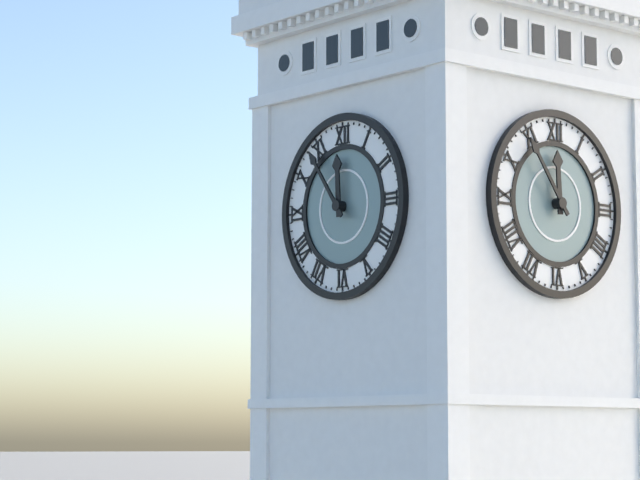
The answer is 11 h 54 min
